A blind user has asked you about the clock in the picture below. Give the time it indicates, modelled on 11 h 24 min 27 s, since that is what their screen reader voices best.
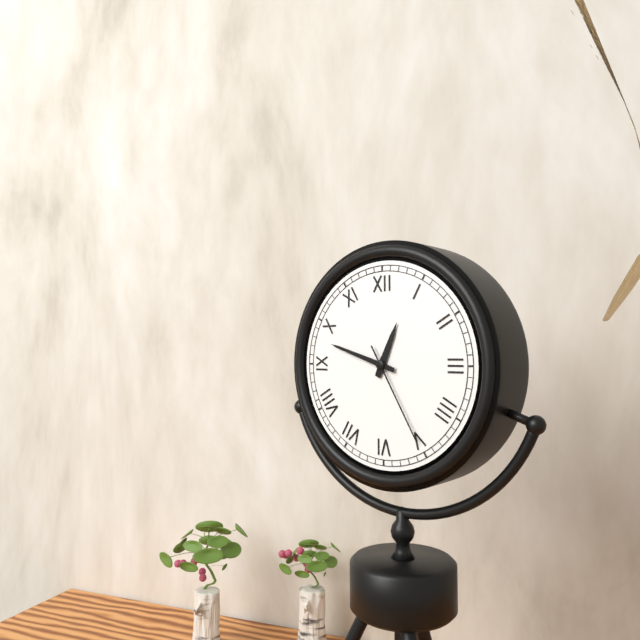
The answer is 12 h 48 min 25 s
